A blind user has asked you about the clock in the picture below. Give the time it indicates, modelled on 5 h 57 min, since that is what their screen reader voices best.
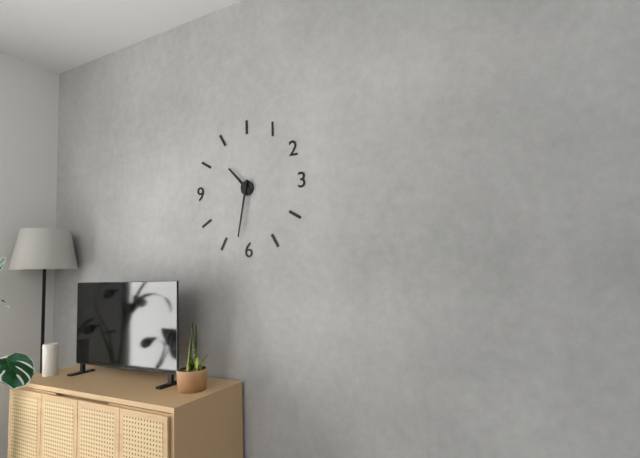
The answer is 10 h 32 min
